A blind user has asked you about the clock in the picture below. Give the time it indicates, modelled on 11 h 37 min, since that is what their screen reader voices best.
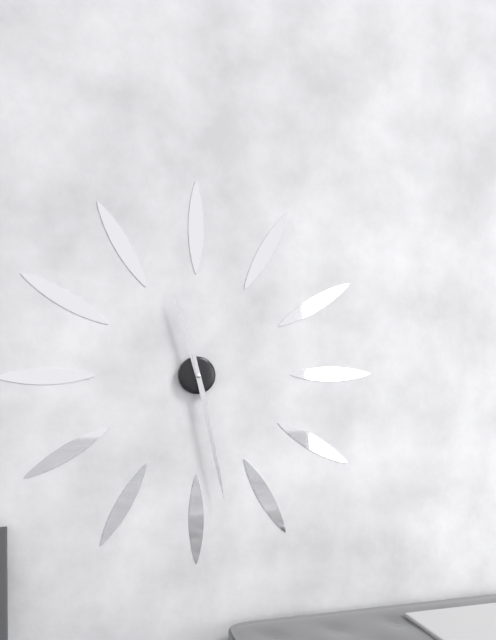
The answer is 11 h 28 min
